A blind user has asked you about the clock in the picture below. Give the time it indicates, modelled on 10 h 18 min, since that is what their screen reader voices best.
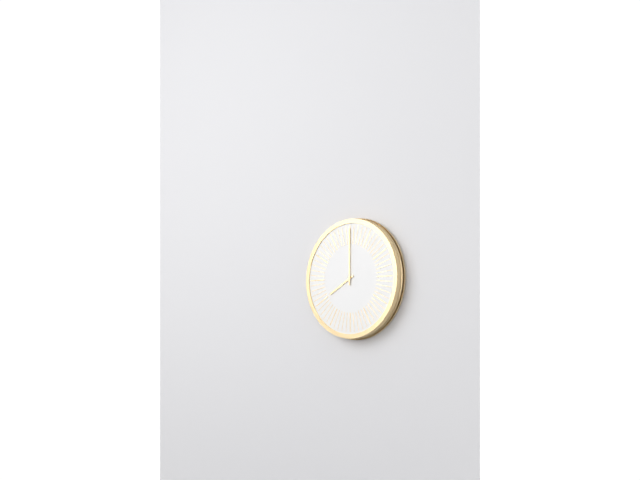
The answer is 8 h 00 min
